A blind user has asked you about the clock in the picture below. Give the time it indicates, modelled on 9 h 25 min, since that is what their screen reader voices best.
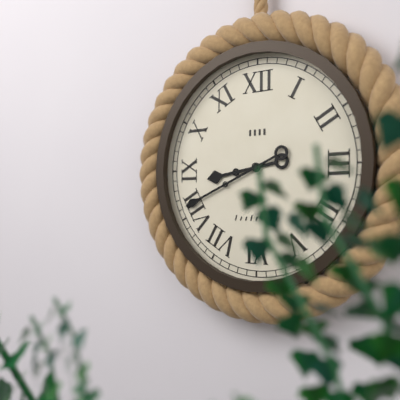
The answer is 8 h 41 min
